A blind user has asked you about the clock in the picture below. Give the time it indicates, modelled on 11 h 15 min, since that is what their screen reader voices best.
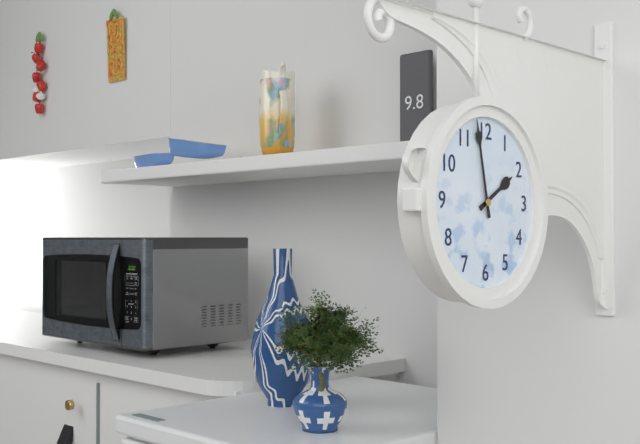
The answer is 1 h 58 min
